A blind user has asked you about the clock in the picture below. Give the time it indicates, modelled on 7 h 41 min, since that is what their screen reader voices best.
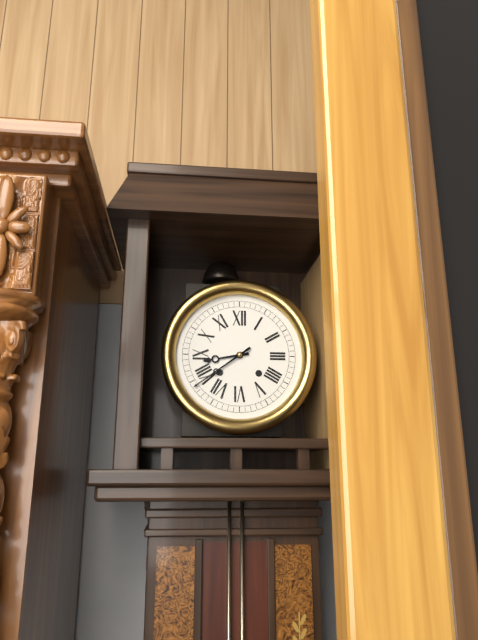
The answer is 8 h 39 min
